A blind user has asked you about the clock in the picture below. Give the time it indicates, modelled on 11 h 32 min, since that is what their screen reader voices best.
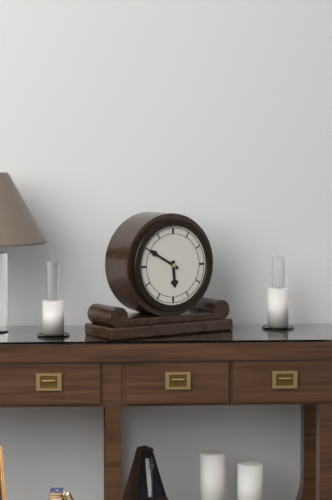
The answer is 5 h 50 min
